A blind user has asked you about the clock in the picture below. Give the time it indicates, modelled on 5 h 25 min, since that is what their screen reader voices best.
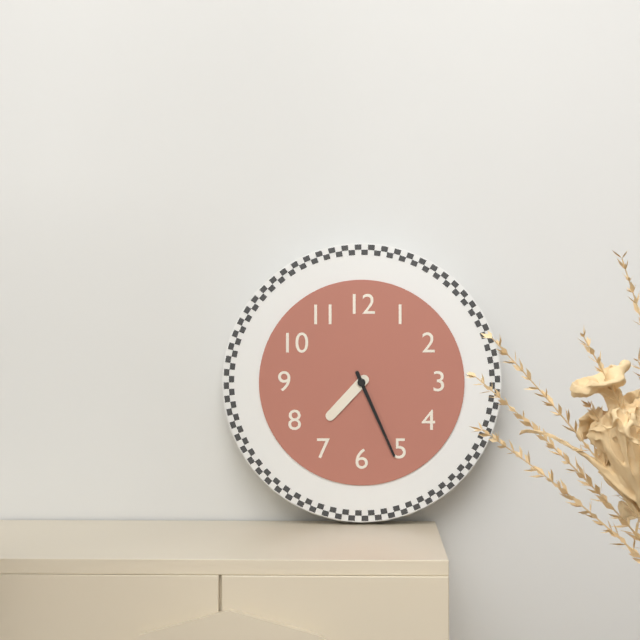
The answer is 7 h 26 min
